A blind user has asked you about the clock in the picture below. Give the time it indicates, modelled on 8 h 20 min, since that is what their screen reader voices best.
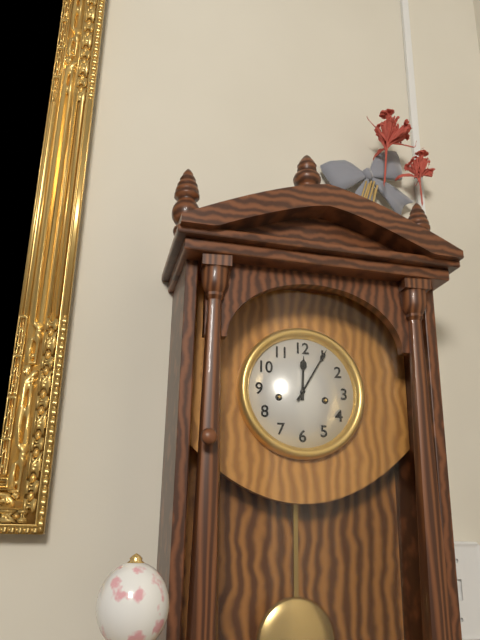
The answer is 12 h 05 min
